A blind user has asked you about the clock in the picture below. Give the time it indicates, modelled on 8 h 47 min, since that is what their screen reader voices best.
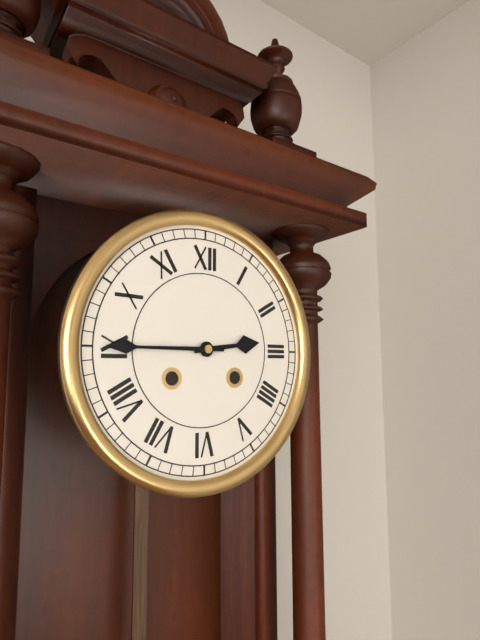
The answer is 2 h 45 min
